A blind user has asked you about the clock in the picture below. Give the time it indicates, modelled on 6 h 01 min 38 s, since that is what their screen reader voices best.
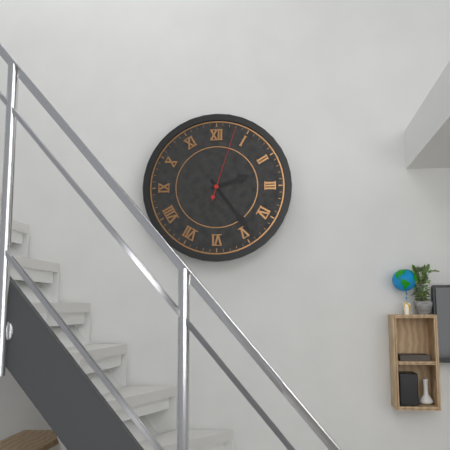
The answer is 2 h 24 min 03 s
